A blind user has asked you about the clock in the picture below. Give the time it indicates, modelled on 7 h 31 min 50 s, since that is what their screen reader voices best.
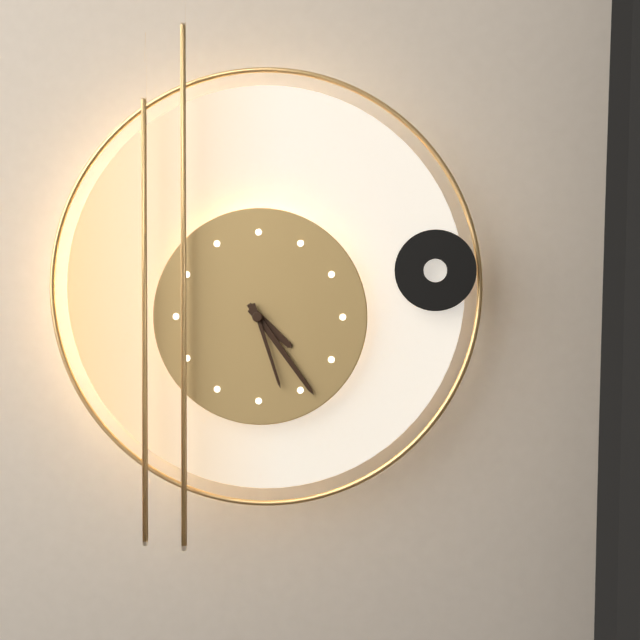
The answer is 4 h 24 min 27 s
